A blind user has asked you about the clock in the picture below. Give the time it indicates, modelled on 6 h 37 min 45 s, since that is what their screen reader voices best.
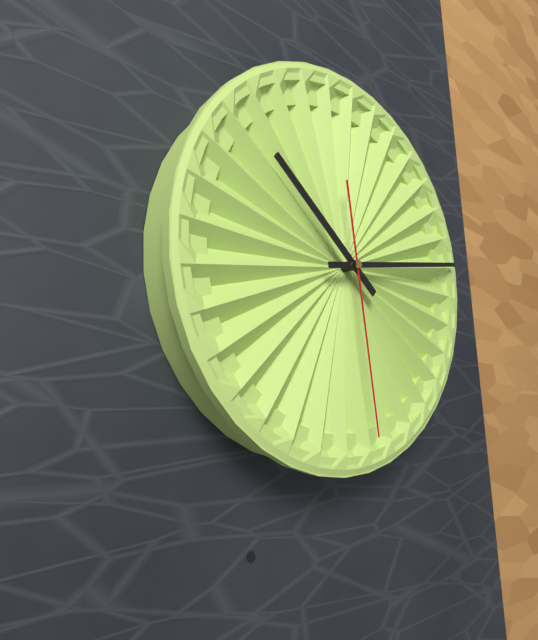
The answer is 10 h 13 min 28 s
